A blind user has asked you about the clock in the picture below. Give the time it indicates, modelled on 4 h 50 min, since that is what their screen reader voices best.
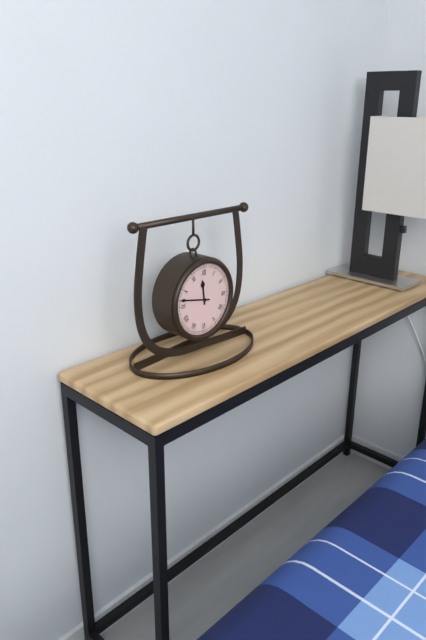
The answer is 11 h 47 min
